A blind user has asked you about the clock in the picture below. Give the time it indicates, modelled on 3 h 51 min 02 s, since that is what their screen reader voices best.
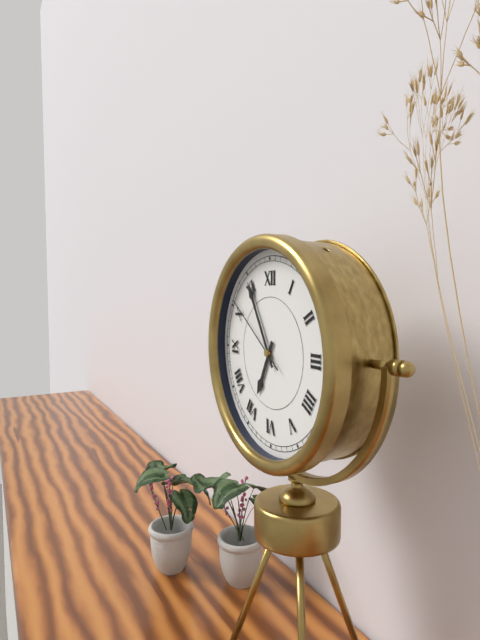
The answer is 6 h 55 min 51 s
